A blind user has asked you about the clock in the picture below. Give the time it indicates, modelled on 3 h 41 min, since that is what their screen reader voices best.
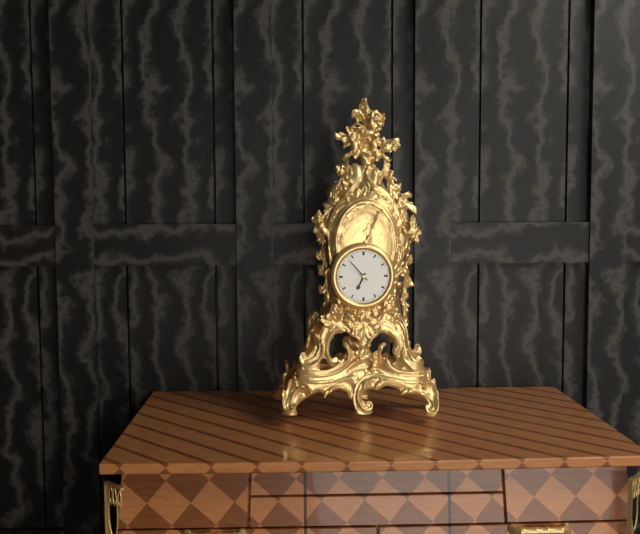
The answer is 6 h 53 min
